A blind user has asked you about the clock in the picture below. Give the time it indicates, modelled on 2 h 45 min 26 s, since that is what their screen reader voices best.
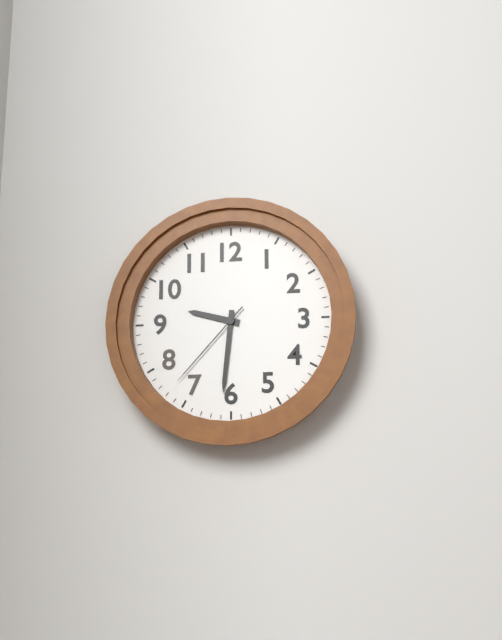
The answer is 9 h 31 min 37 s
